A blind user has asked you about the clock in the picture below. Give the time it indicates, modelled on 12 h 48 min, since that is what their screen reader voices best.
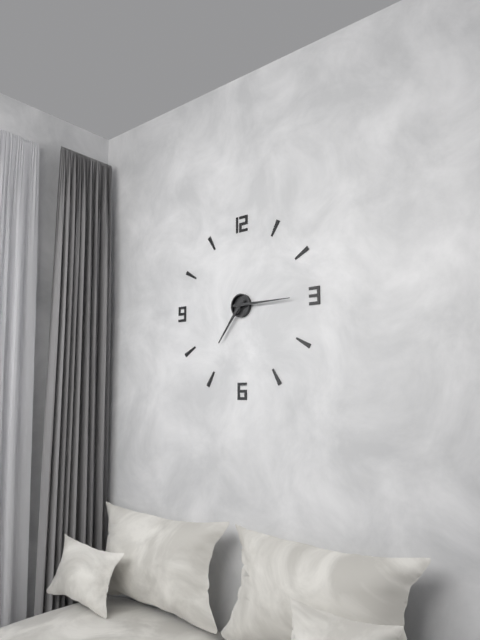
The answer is 7 h 15 min
